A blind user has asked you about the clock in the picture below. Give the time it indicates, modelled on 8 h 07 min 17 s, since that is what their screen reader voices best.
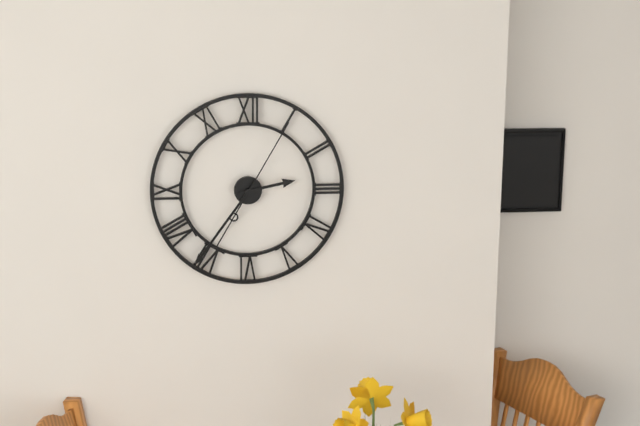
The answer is 2 h 36 min 05 s
